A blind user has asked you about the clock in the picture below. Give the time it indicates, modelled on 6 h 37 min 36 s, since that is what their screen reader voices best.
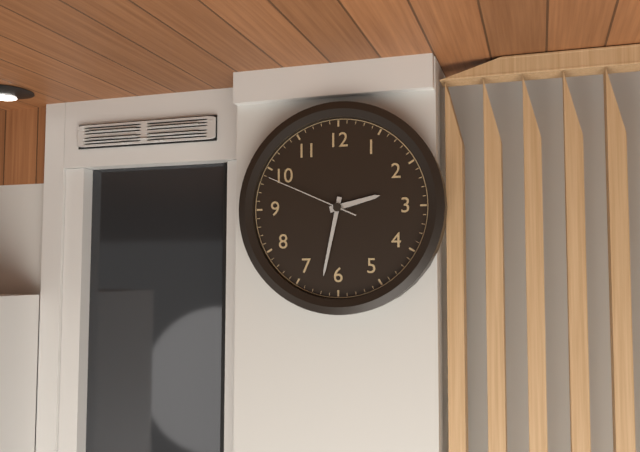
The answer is 2 h 32 min 49 s
